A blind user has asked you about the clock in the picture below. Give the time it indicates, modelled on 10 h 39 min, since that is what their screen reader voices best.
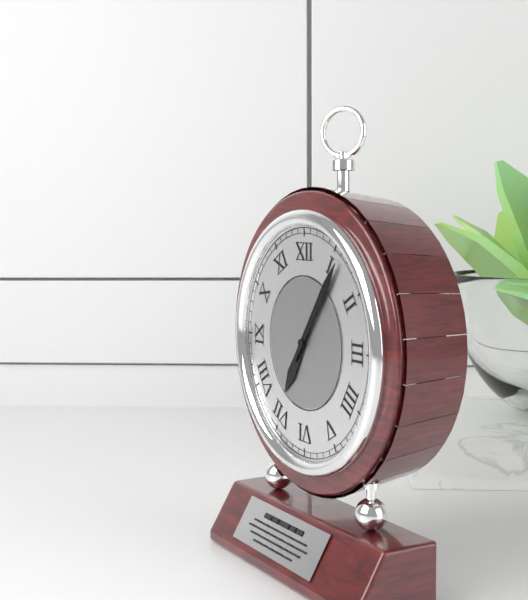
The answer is 7 h 06 min
